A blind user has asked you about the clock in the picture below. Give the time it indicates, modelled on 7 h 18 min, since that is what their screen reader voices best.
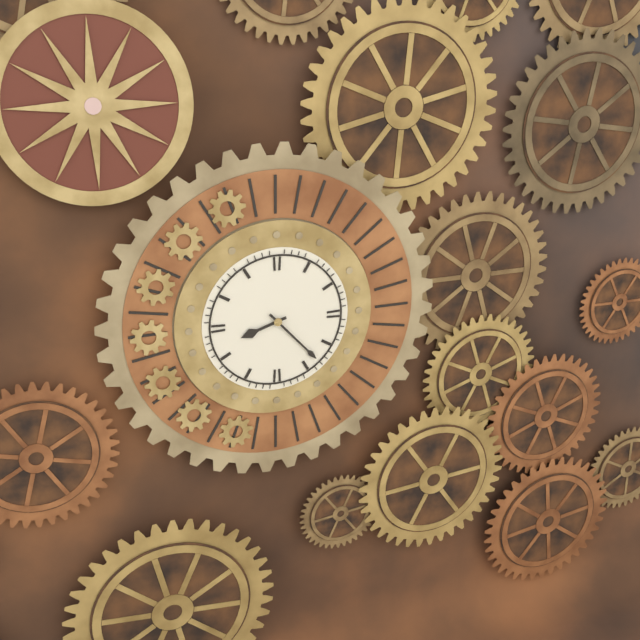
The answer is 8 h 23 min
